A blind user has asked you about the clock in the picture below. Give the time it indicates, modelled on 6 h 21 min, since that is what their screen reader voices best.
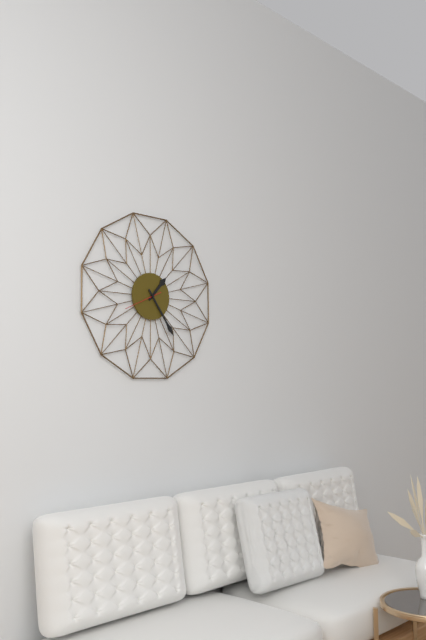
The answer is 1 h 24 min
